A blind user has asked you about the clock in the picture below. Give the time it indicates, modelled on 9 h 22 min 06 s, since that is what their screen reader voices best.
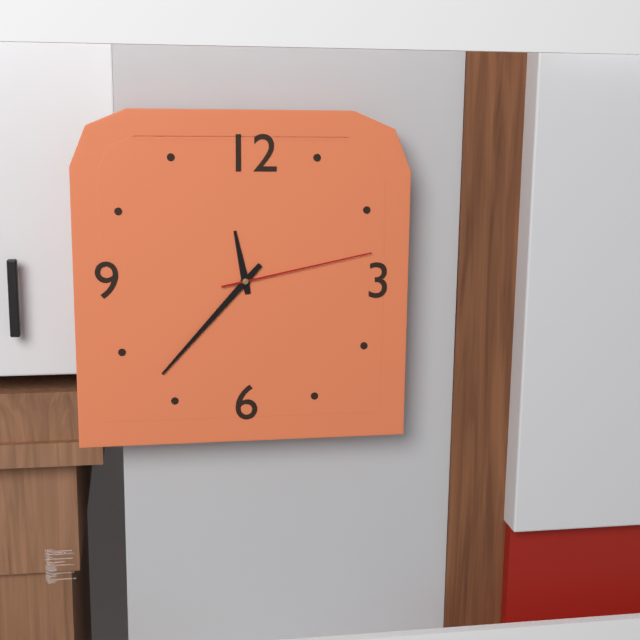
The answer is 11 h 37 min 13 s
